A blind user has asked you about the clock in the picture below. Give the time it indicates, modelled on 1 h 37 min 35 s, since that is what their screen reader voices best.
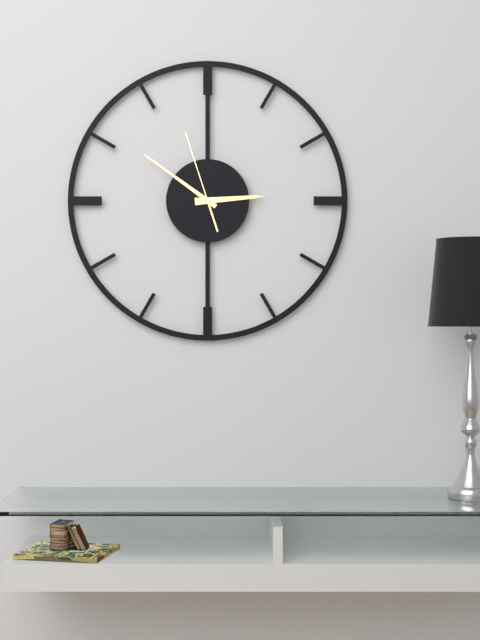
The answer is 2 h 51 min 57 s
